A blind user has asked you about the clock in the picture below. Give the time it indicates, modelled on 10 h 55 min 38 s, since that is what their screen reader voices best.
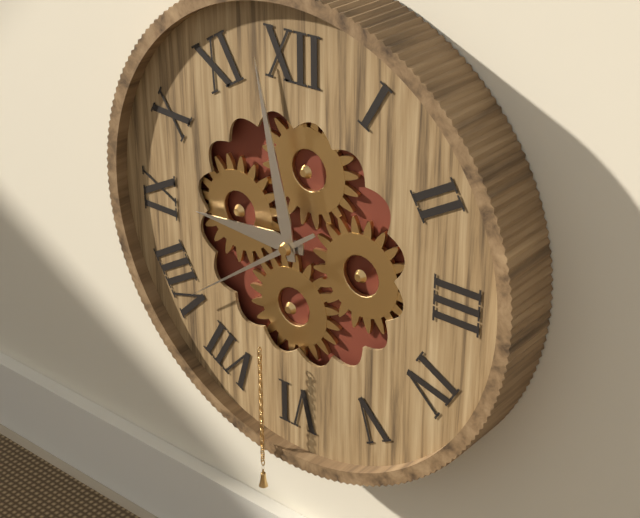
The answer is 8 h 58 min 39 s
